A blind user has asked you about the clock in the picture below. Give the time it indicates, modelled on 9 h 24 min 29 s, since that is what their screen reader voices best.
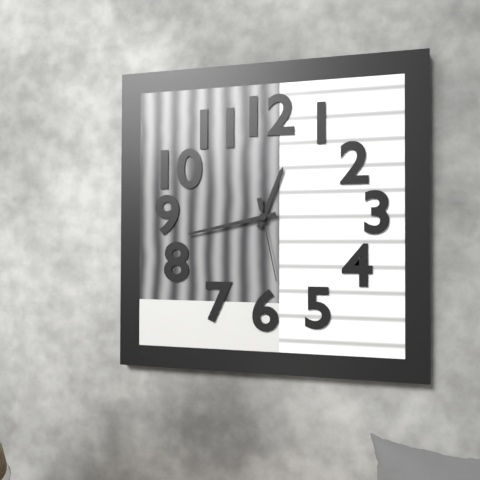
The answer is 12 h 43 min 28 s
